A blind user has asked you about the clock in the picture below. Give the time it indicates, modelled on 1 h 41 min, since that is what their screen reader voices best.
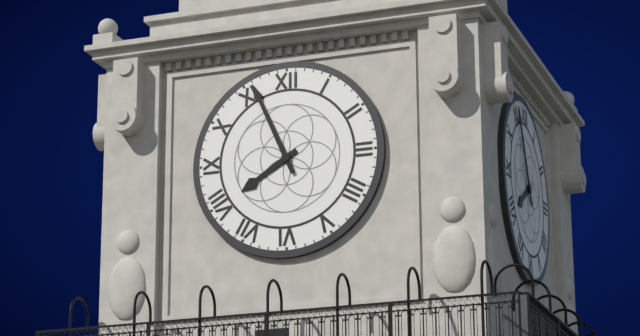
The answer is 7 h 56 min
